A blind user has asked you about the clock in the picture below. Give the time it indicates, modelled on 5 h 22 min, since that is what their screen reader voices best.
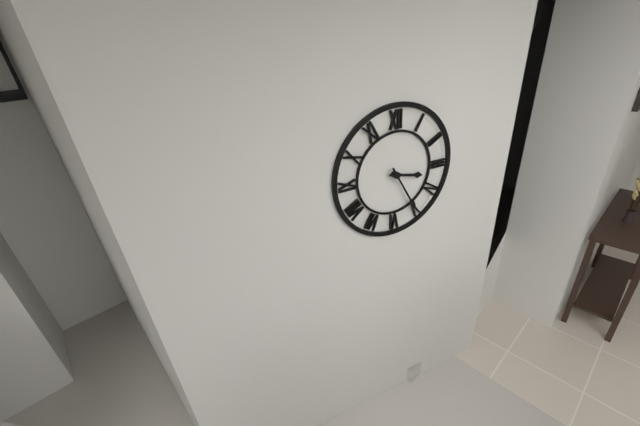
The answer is 3 h 25 min
